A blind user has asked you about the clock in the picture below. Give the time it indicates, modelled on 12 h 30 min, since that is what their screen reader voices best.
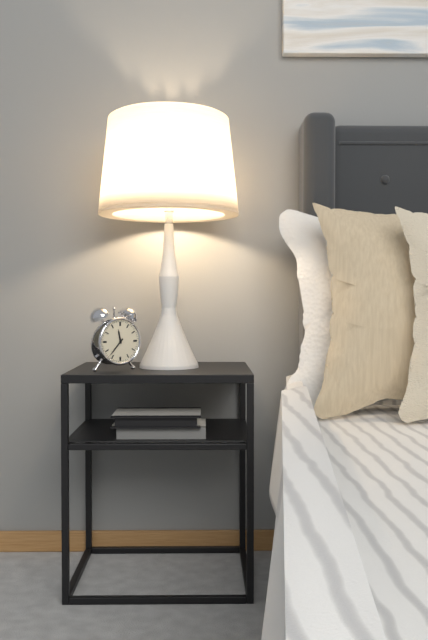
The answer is 11 h 37 min
